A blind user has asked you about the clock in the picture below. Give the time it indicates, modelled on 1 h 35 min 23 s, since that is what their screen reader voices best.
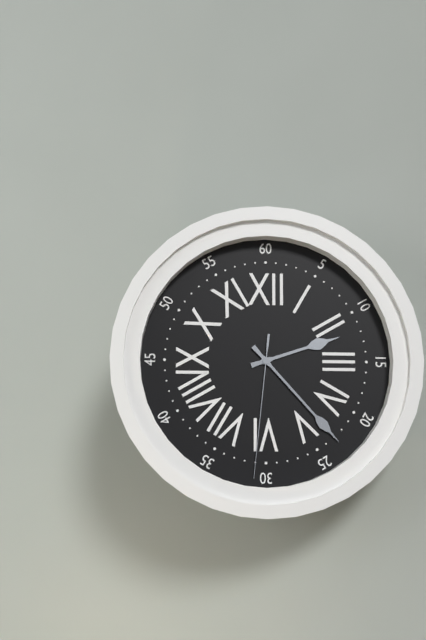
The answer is 2 h 23 min 31 s
